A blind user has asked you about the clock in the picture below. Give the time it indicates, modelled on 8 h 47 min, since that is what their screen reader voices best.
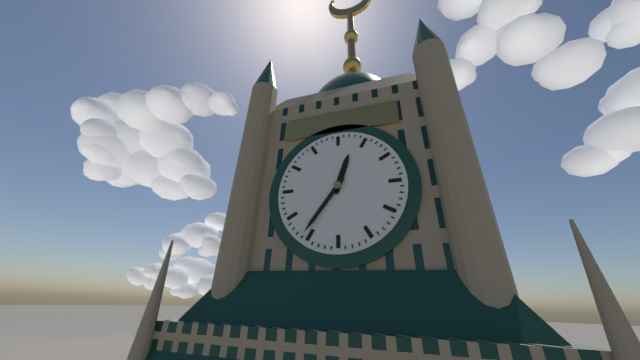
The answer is 12 h 36 min
